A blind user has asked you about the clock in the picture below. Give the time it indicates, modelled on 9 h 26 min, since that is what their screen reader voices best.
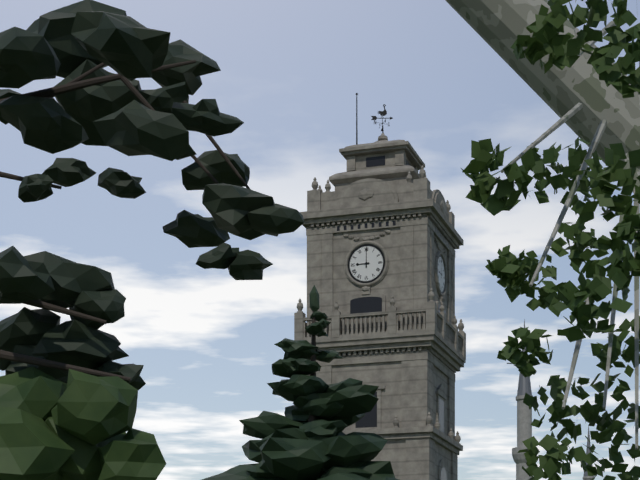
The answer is 9 h 00 min
